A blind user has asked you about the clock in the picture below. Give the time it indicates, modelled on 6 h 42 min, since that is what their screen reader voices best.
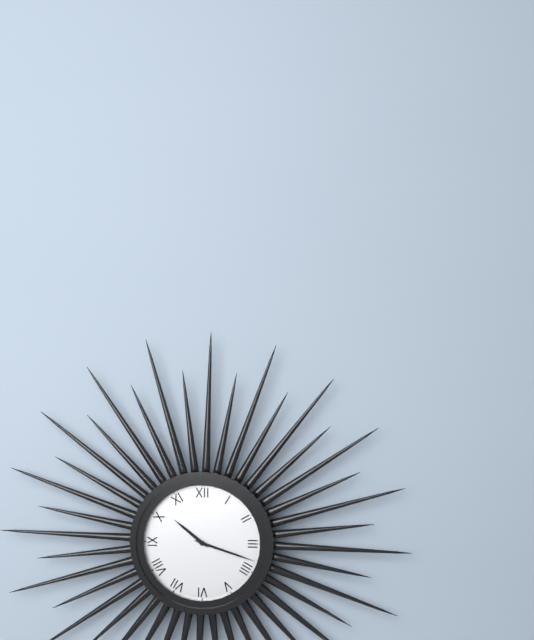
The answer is 10 h 18 min
